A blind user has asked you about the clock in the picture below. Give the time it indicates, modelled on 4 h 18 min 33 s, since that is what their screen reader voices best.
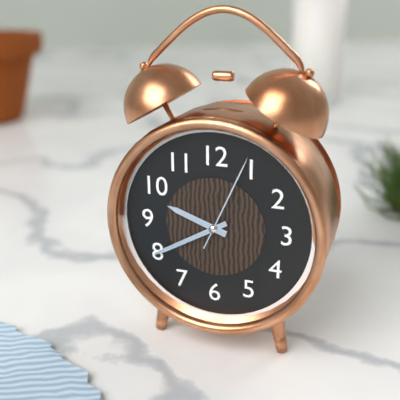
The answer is 9 h 40 min 04 s
